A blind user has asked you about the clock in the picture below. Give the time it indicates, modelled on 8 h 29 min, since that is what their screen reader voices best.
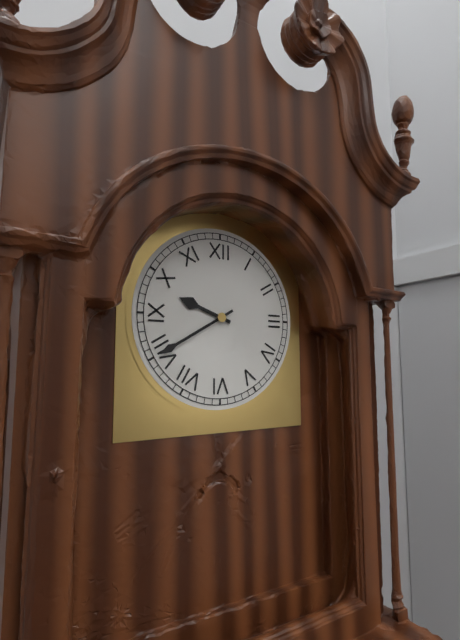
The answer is 9 h 40 min
